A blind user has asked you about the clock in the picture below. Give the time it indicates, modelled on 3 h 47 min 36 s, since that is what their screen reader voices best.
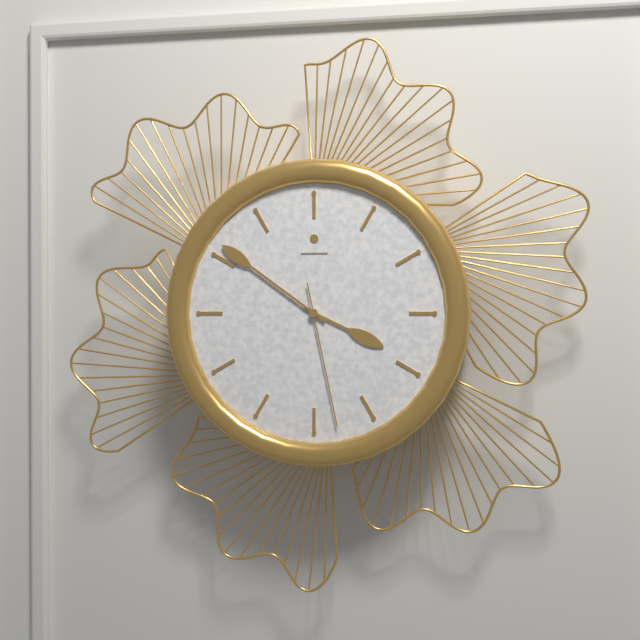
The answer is 3 h 51 min 28 s
